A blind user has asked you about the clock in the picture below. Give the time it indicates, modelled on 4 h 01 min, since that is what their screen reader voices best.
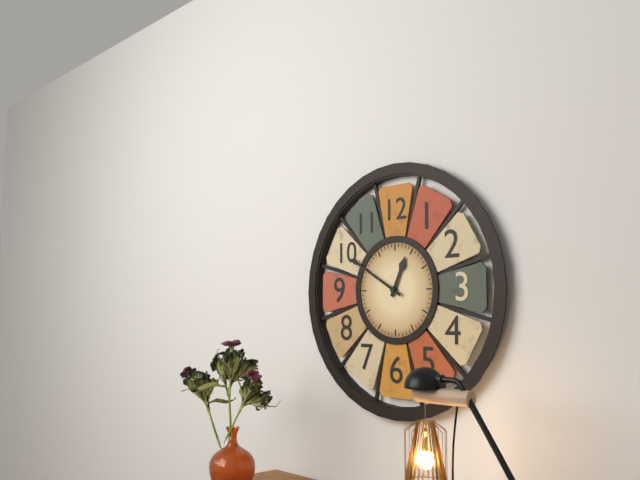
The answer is 12 h 50 min
